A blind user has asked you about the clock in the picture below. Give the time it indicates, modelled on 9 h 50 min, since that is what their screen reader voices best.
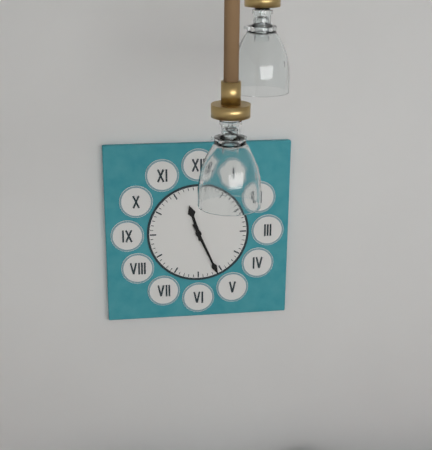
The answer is 11 h 26 min
